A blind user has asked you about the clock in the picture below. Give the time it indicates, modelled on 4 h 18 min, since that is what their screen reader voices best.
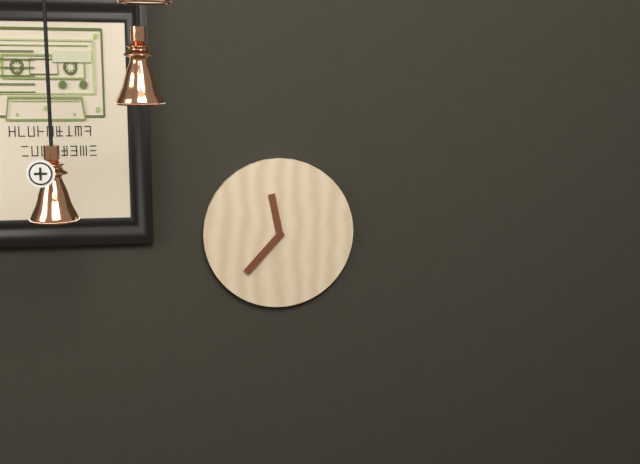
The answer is 11 h 37 min
